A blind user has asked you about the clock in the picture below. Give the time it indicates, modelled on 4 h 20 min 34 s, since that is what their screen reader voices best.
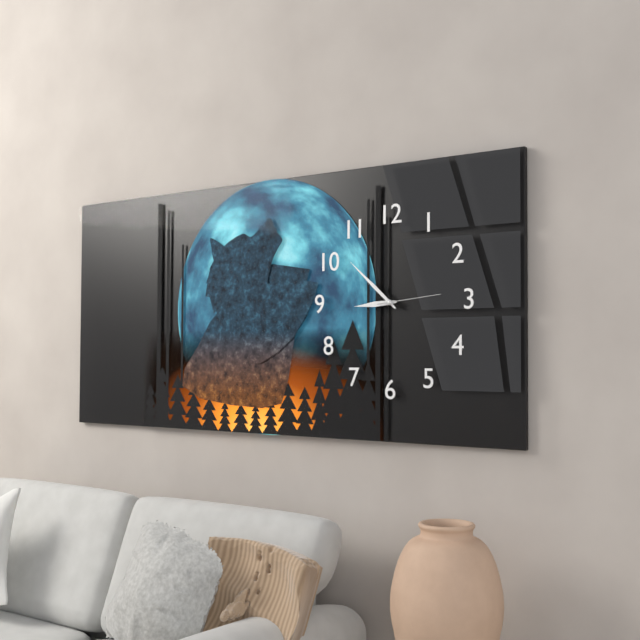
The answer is 8 h 52 min 14 s
